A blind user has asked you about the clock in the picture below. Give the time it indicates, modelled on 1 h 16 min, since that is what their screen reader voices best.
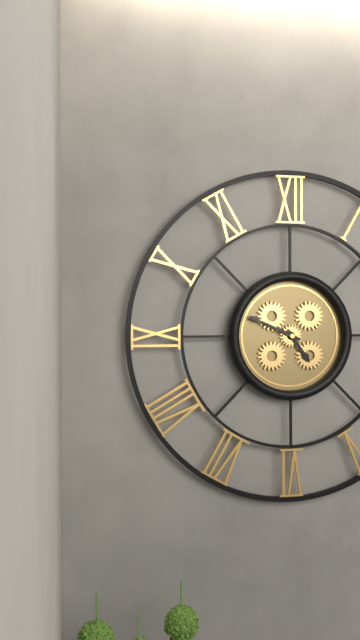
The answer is 4 h 49 min
